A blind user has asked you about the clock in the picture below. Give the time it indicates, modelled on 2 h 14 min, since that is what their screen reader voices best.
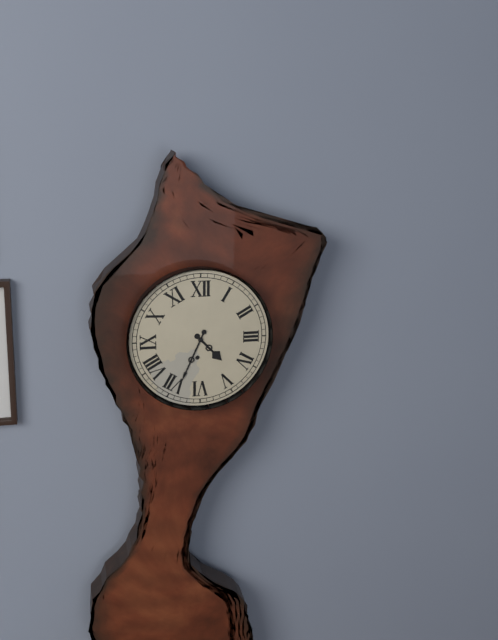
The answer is 4 h 34 min
